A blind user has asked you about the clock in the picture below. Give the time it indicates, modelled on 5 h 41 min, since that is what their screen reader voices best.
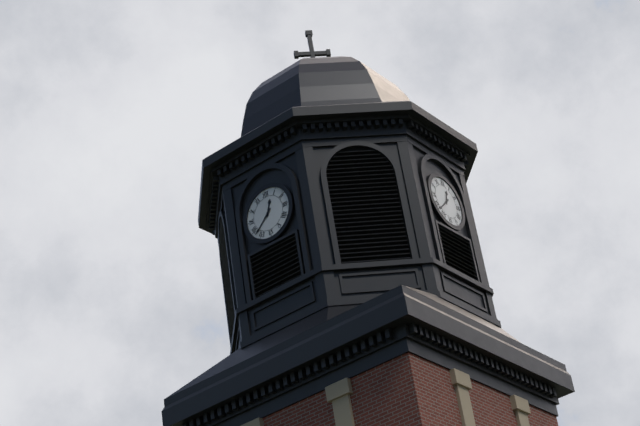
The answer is 12 h 38 min
